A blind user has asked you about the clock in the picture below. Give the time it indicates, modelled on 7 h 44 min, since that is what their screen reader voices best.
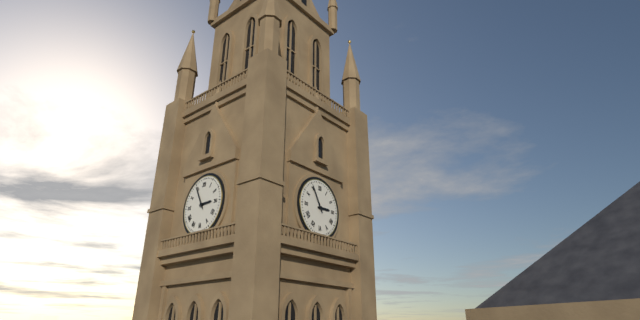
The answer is 2 h 55 min
